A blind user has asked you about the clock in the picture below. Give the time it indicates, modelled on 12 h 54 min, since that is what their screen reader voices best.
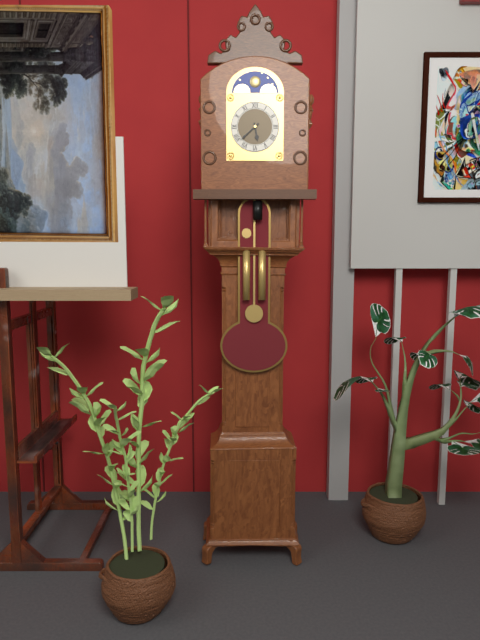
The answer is 5 h 38 min
